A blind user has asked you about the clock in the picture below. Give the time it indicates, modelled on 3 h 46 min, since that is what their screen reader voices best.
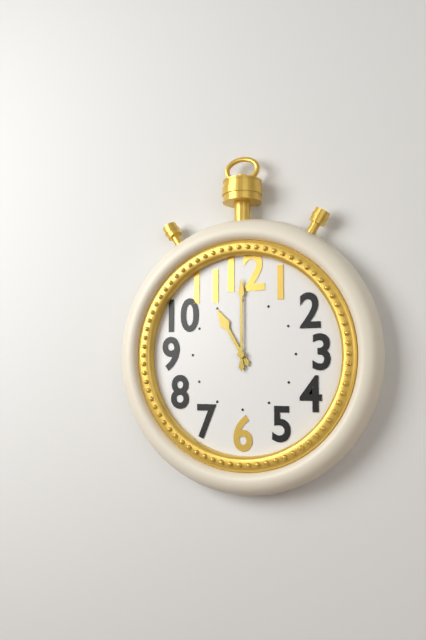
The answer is 11 h 00 min
